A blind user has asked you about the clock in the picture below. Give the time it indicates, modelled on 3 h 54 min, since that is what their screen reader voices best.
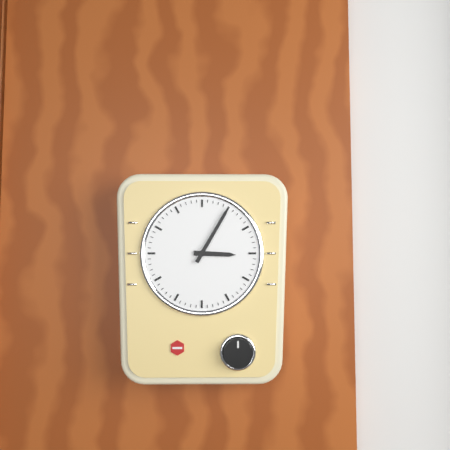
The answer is 3 h 05 min
